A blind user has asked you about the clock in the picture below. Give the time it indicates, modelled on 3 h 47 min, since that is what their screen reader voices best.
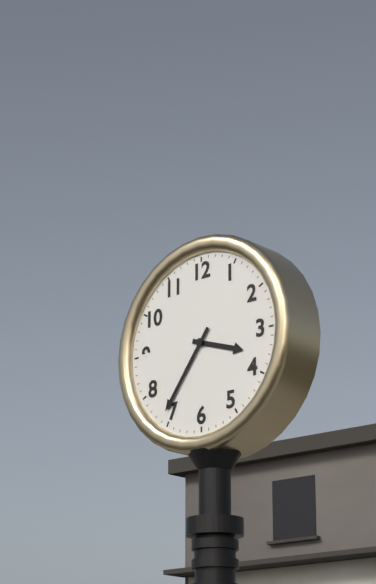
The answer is 3 h 36 min
